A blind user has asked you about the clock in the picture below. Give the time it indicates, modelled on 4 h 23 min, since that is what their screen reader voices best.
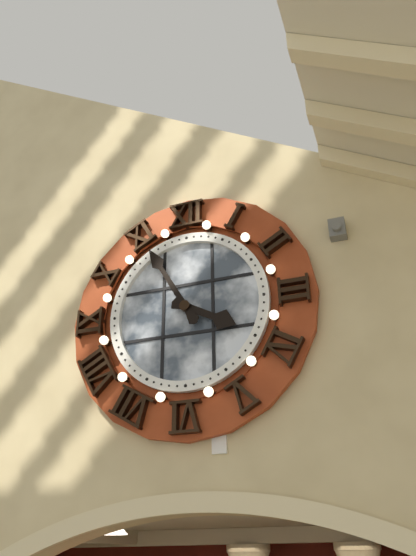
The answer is 3 h 55 min
